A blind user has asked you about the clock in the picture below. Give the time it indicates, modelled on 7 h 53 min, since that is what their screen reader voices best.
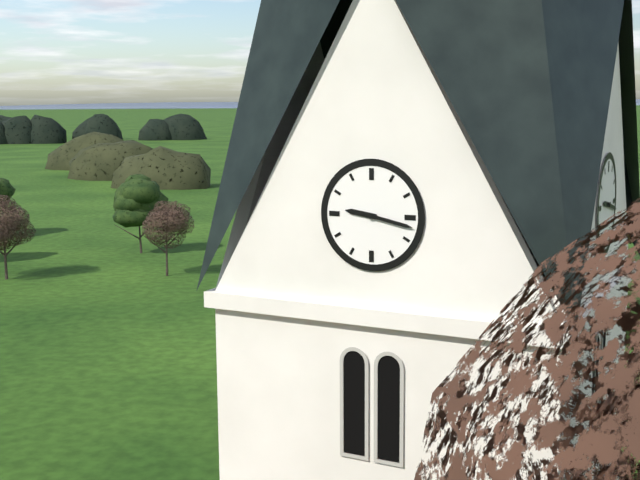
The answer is 9 h 17 min
